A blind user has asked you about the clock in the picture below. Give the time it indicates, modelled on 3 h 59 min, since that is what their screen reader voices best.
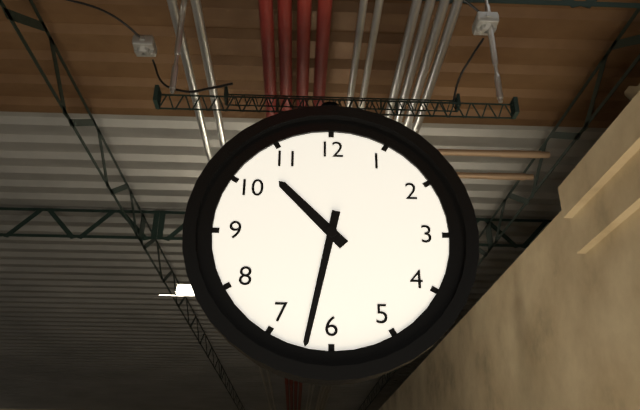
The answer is 10 h 32 min
